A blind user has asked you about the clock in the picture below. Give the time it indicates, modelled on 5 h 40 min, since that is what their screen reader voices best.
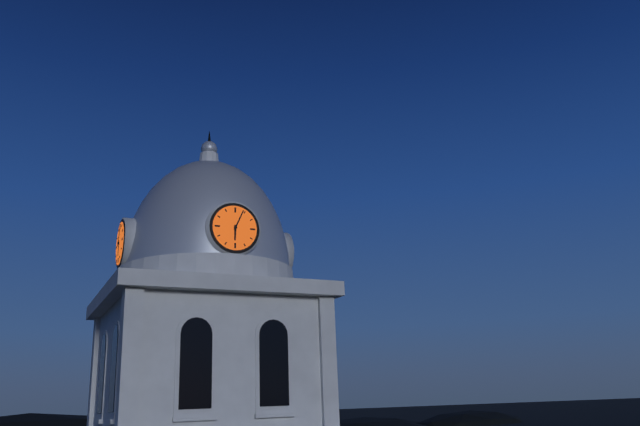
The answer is 6 h 04 min
